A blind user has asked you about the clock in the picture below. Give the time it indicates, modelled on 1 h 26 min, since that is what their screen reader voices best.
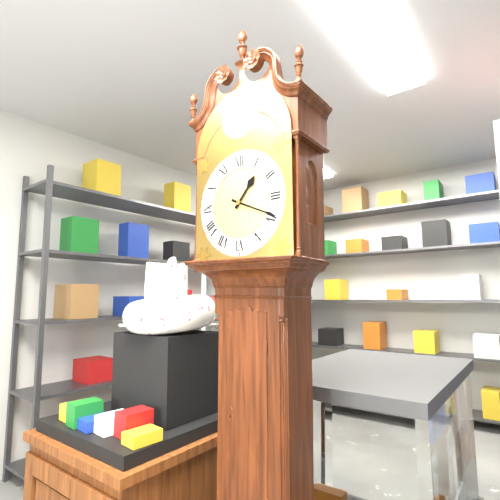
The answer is 1 h 19 min
